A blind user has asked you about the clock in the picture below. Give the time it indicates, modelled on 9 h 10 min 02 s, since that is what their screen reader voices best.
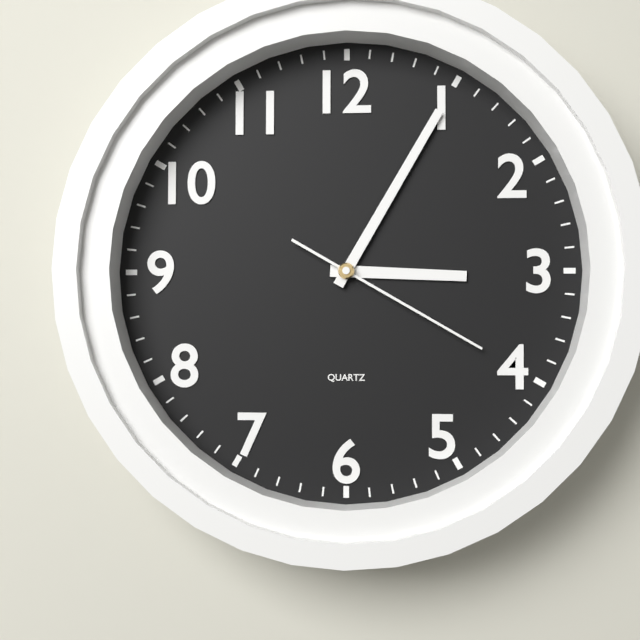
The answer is 3 h 05 min 20 s
